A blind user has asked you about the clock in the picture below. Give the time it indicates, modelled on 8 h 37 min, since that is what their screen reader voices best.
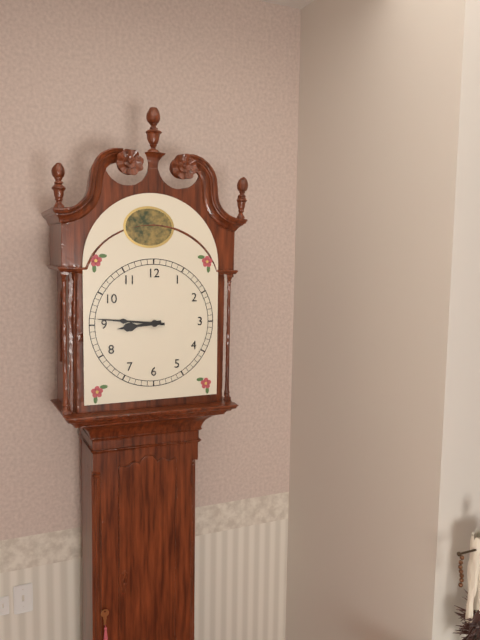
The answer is 8 h 46 min
